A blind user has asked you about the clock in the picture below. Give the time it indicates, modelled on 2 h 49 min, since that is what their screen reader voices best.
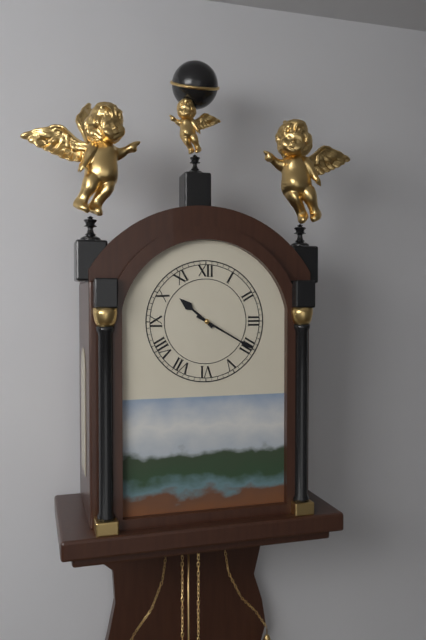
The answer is 10 h 20 min
